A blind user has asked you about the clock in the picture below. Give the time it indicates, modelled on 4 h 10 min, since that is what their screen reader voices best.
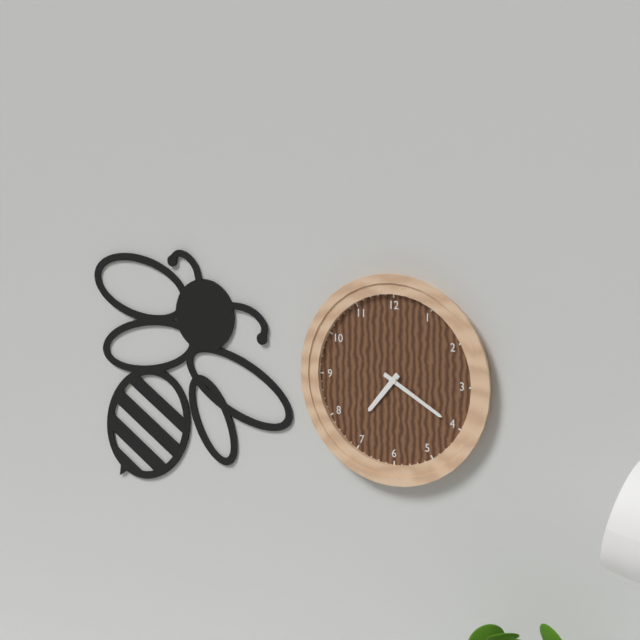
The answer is 7 h 20 min
